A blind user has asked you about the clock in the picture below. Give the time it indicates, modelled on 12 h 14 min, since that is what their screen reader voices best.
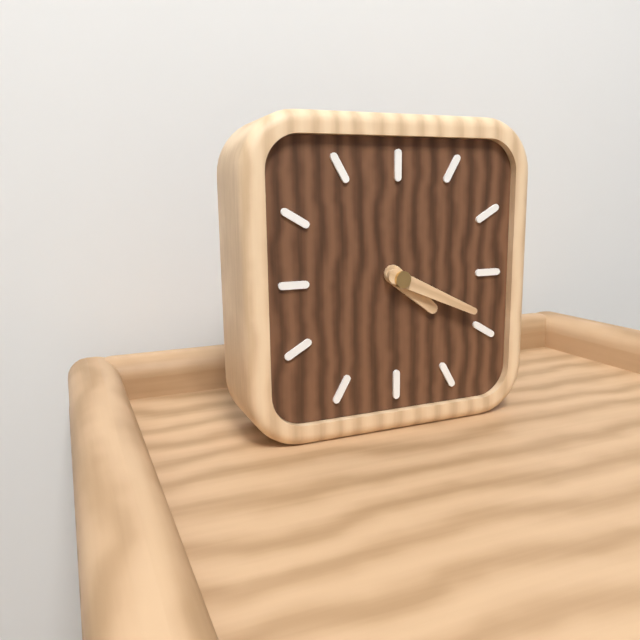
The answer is 4 h 19 min
